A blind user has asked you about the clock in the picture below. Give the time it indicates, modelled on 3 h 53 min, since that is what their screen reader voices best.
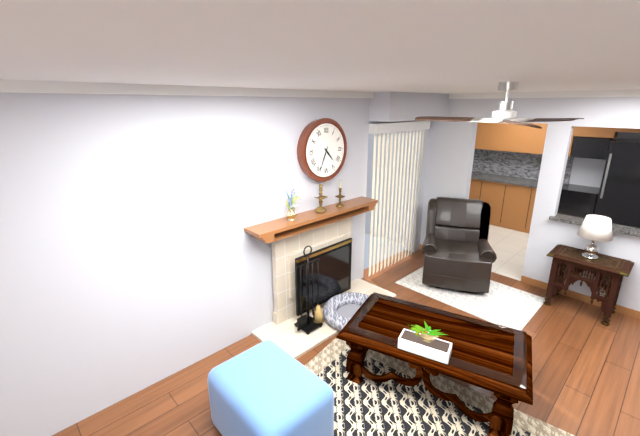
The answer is 4 h 34 min
